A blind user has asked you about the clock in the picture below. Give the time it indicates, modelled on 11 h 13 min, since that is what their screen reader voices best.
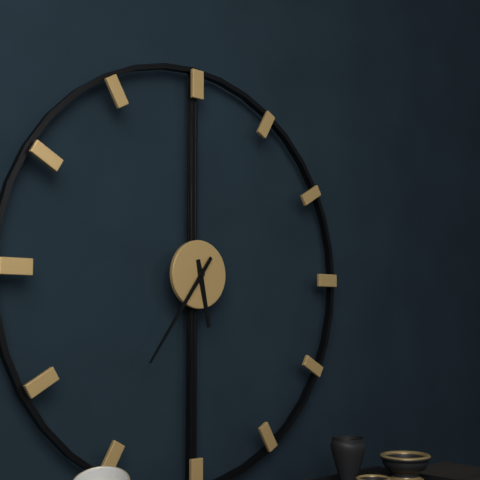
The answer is 5 h 36 min
